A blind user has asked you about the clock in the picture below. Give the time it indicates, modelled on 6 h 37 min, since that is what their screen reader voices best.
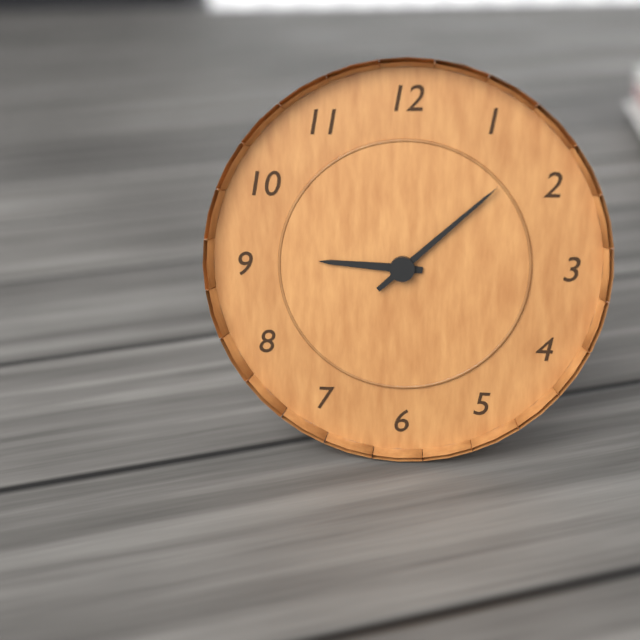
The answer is 9 h 08 min
